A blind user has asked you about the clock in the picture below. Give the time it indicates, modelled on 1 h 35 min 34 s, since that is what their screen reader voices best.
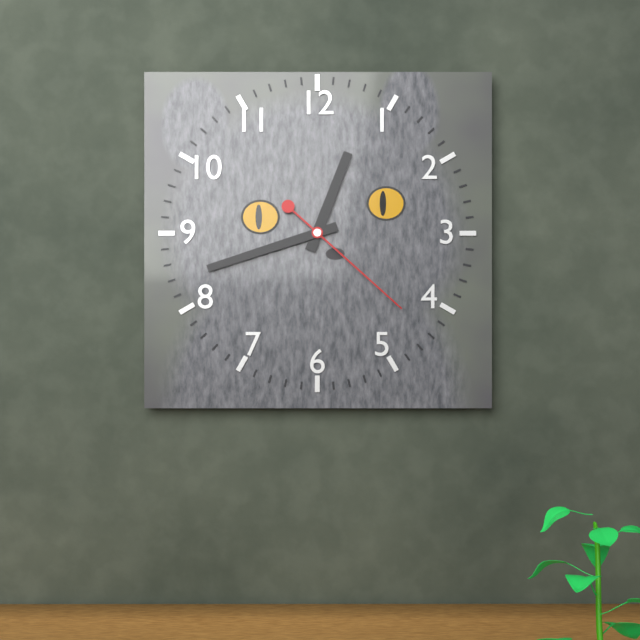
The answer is 12 h 42 min 22 s
